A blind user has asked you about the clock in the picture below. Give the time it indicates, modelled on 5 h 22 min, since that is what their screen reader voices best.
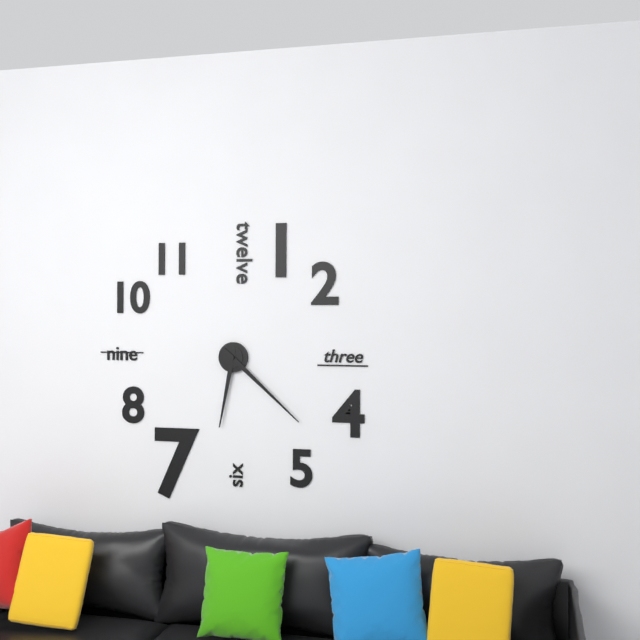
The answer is 6 h 22 min
